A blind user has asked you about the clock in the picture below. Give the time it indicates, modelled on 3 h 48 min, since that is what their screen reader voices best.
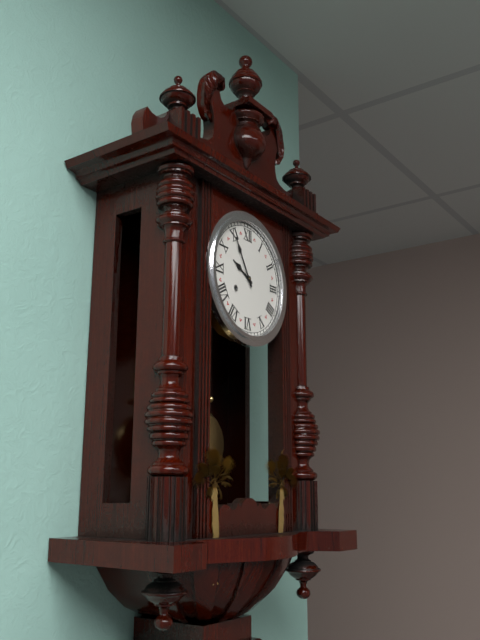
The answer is 9 h 55 min
